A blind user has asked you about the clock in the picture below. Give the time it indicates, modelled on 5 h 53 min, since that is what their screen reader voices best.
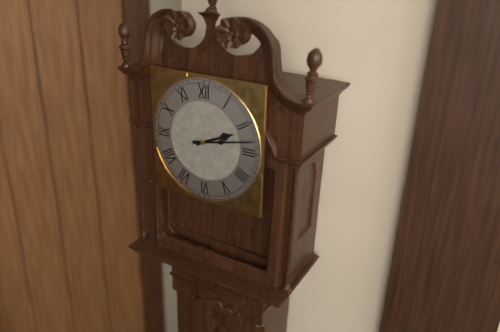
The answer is 2 h 13 min
